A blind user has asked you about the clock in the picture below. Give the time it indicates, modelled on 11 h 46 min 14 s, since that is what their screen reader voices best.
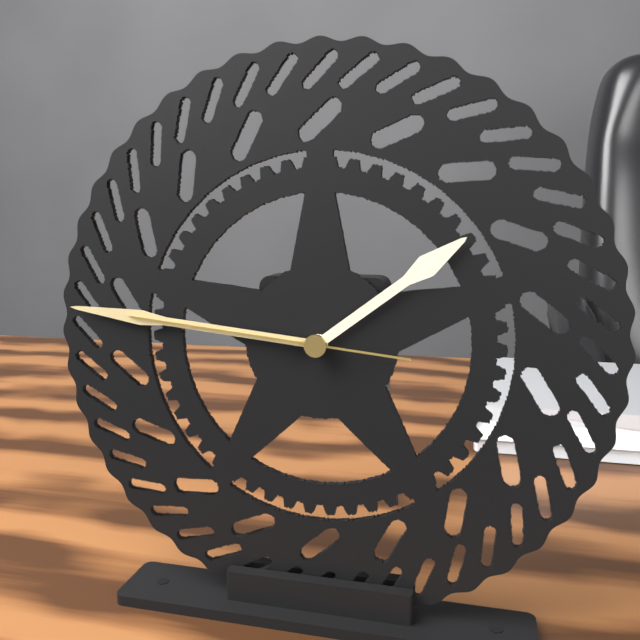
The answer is 1 h 46 min 46 s
